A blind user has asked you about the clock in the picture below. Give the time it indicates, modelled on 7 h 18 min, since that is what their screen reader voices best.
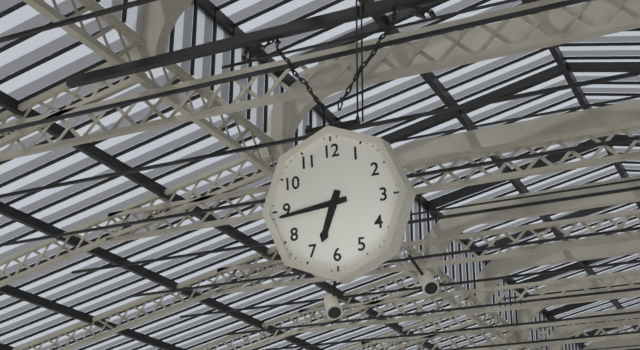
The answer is 6 h 44 min
